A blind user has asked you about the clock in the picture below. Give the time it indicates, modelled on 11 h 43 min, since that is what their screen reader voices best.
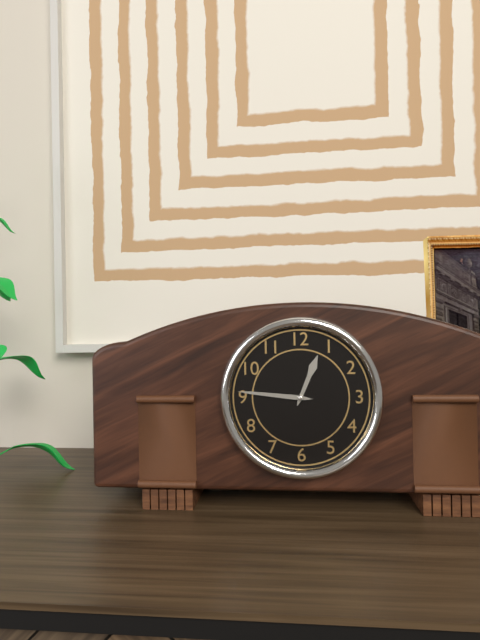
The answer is 12 h 46 min
